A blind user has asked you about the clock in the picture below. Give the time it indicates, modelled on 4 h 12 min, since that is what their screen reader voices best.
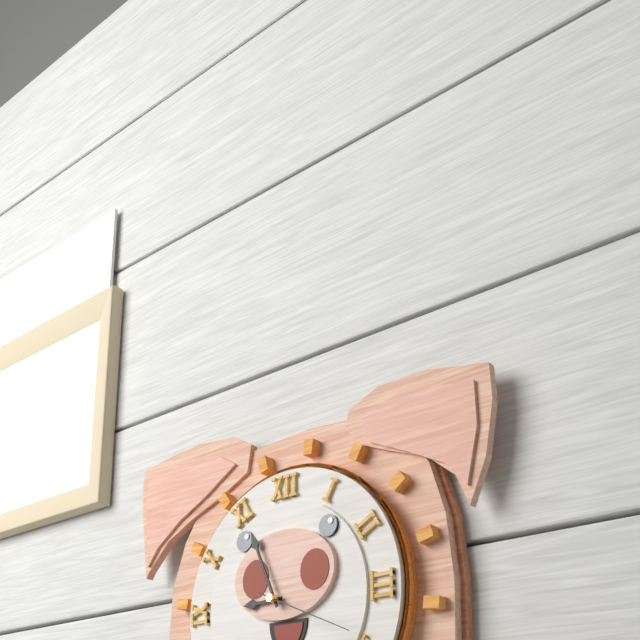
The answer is 8 h 56 min
